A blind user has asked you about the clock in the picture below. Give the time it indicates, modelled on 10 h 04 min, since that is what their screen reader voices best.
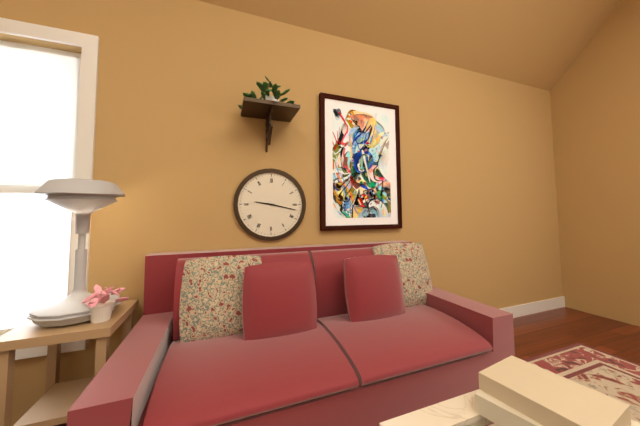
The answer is 9 h 17 min
